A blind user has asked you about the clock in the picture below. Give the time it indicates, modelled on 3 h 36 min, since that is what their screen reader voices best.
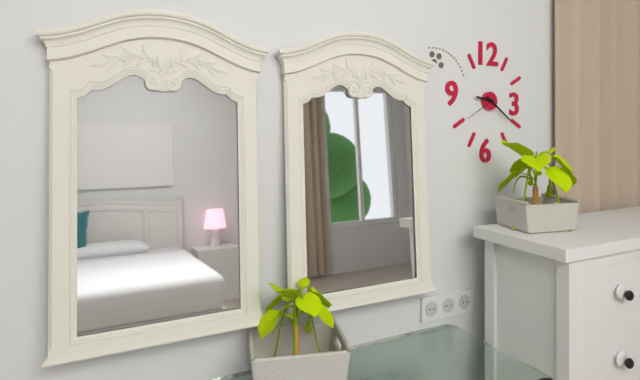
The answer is 9 h 21 min
